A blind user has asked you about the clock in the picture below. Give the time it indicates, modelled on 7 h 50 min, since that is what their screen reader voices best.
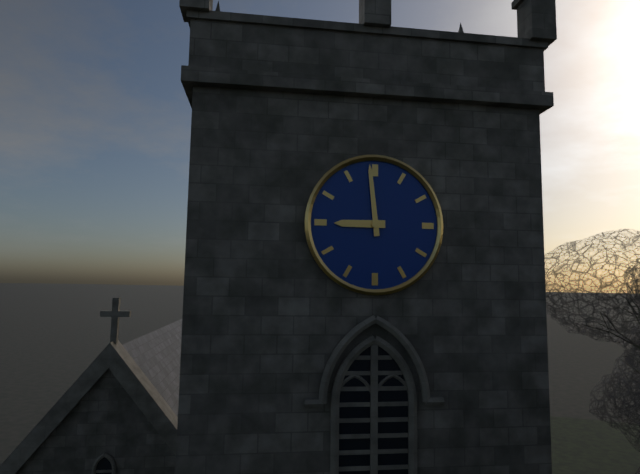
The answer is 8 h 59 min
